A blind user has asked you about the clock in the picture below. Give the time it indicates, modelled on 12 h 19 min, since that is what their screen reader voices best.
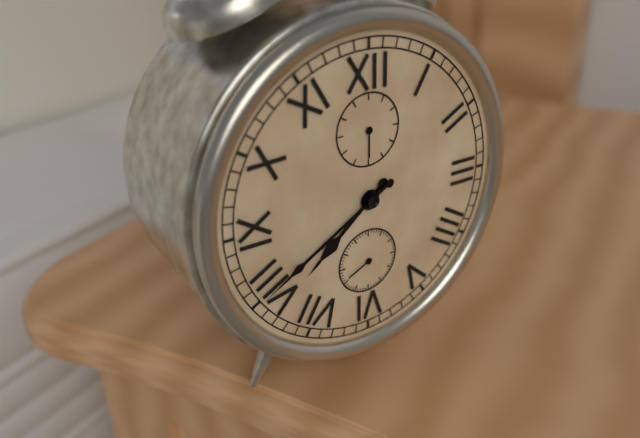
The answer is 7 h 40 min
